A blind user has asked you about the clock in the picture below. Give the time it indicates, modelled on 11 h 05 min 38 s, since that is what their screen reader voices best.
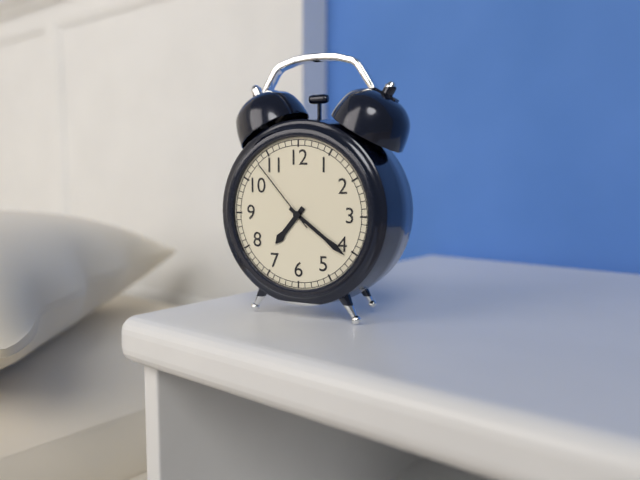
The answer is 7 h 21 min 53 s
